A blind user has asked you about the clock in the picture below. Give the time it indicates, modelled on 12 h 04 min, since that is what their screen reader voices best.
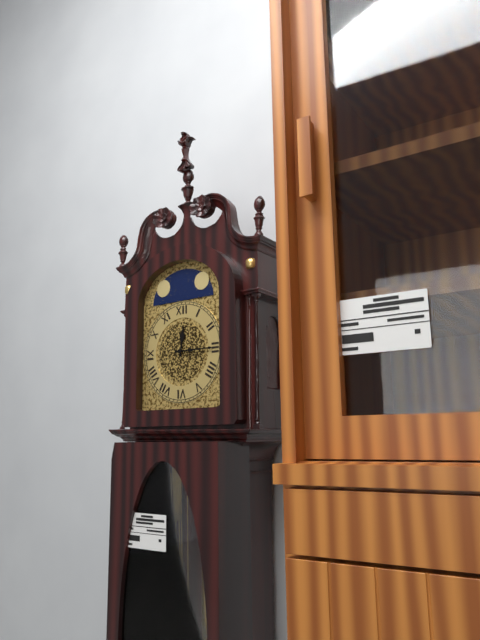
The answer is 12 h 15 min
